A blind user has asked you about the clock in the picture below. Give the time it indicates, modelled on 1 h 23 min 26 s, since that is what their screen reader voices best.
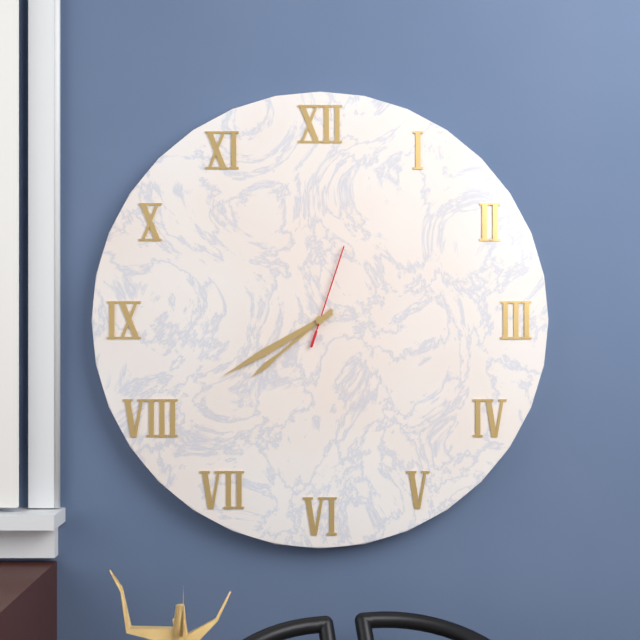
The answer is 7 h 40 min 03 s
